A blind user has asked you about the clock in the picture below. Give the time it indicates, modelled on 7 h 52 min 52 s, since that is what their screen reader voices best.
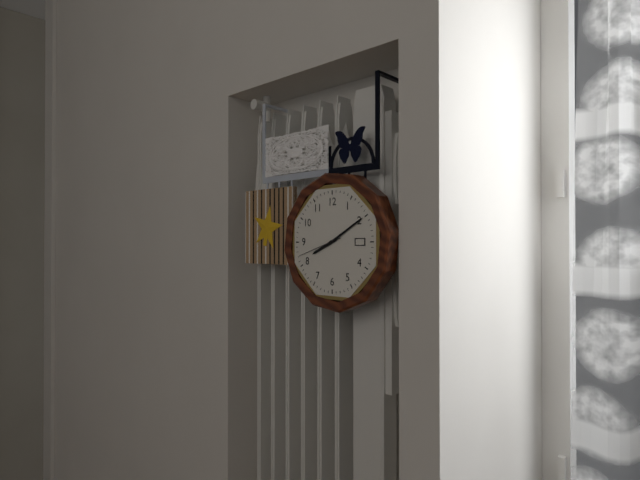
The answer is 8 h 10 min 42 s
